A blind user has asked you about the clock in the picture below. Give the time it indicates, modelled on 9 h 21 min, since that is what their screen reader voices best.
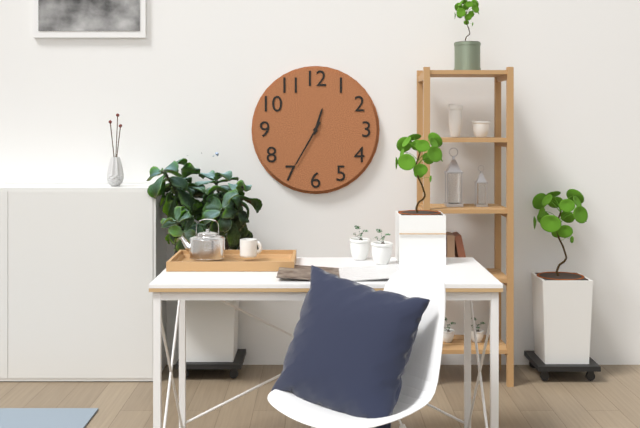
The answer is 12 h 35 min
